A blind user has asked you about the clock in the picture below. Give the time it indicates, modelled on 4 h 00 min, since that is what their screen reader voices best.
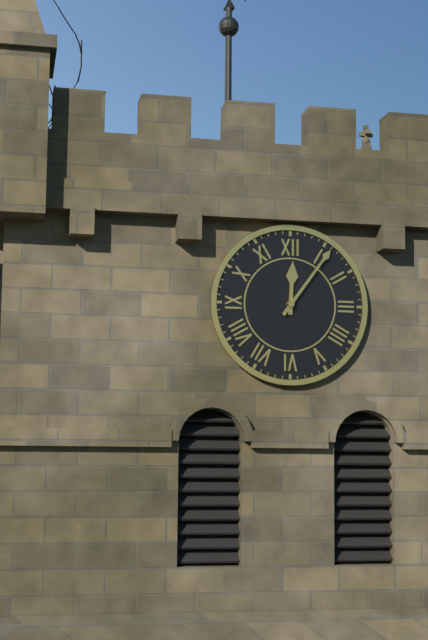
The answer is 12 h 06 min
